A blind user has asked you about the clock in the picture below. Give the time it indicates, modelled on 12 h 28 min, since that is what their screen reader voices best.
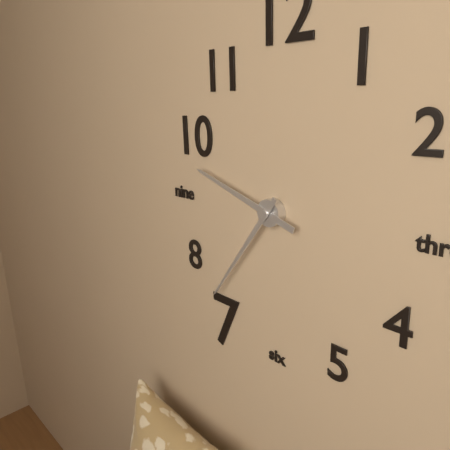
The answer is 9 h 36 min
